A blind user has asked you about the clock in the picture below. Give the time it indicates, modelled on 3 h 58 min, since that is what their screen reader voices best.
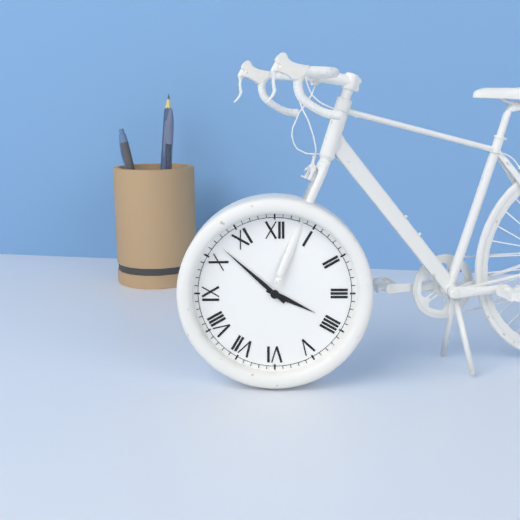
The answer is 3 h 52 min
